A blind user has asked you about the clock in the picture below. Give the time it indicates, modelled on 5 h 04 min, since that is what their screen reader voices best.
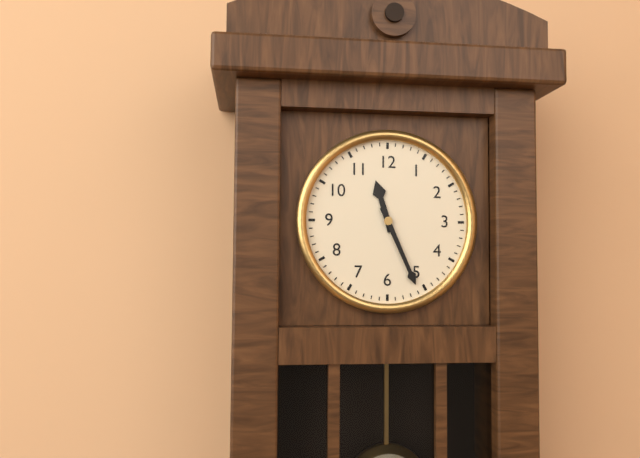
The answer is 11 h 26 min
